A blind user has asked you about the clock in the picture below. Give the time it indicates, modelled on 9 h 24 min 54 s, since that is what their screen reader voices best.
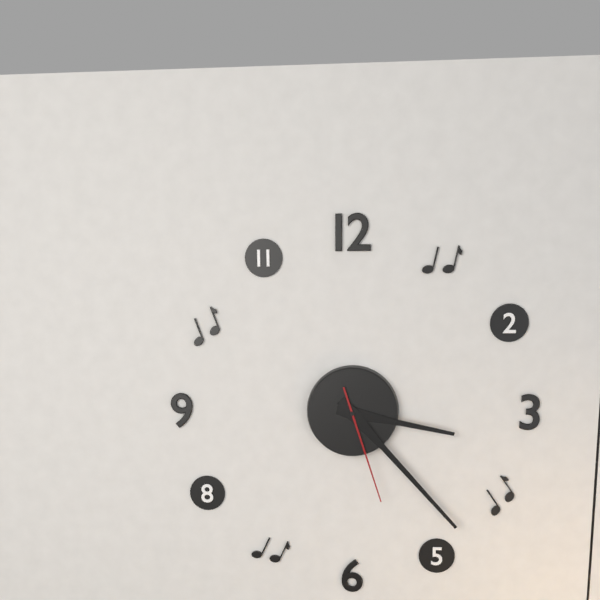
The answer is 3 h 23 min 27 s
